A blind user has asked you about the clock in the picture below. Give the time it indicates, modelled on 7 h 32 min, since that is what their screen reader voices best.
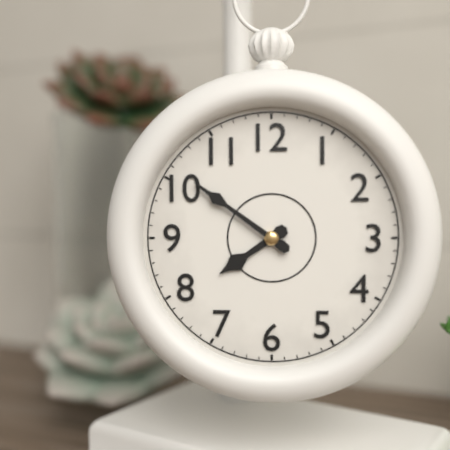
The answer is 7 h 51 min
